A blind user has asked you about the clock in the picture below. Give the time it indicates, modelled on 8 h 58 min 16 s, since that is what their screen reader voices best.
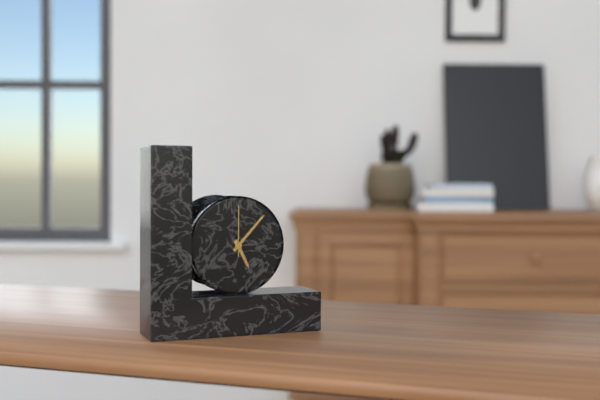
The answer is 5 h 07 min 00 s
